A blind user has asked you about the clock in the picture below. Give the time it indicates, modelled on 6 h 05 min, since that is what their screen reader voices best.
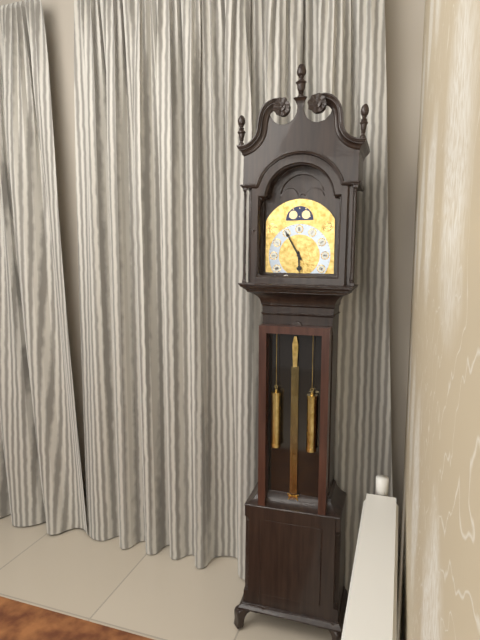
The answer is 5 h 55 min
